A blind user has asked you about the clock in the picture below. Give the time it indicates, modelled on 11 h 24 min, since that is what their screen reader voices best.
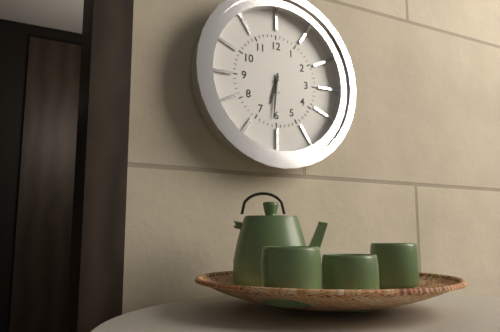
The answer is 6 h 31 min
